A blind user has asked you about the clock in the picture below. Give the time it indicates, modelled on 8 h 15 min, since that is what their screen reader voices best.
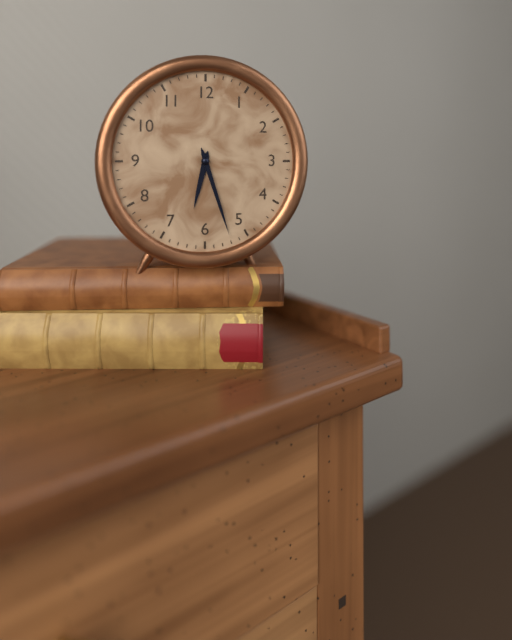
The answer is 6 h 27 min
